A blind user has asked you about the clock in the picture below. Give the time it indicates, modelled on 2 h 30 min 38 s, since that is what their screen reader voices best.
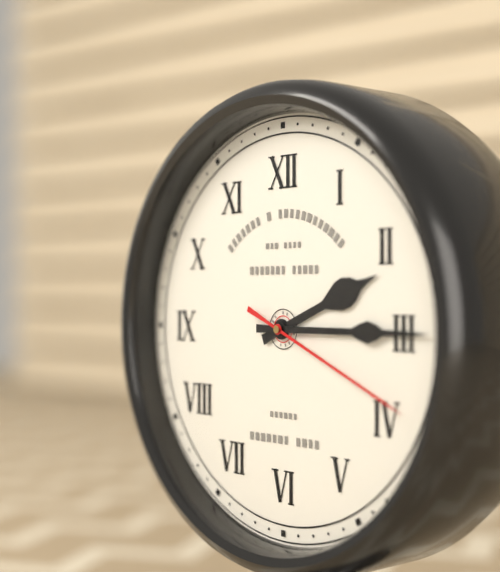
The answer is 2 h 15 min 19 s
